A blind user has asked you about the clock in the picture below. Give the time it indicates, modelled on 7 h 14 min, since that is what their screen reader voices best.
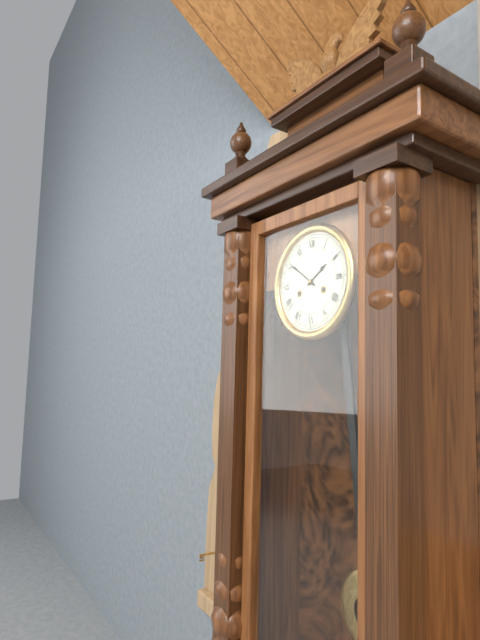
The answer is 1 h 51 min
